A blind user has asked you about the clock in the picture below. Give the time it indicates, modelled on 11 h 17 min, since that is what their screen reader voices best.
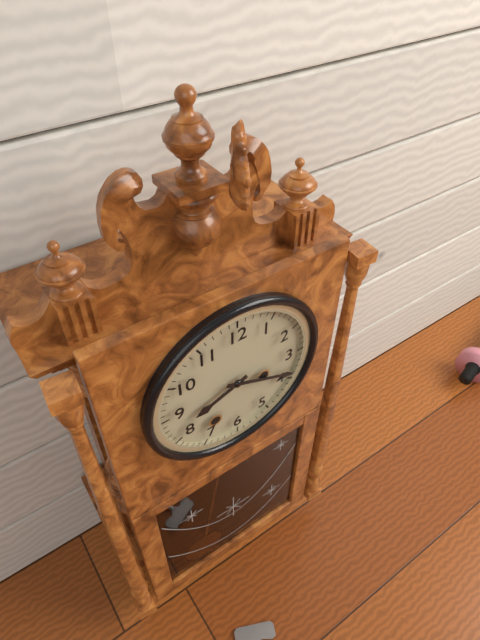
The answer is 8 h 19 min
